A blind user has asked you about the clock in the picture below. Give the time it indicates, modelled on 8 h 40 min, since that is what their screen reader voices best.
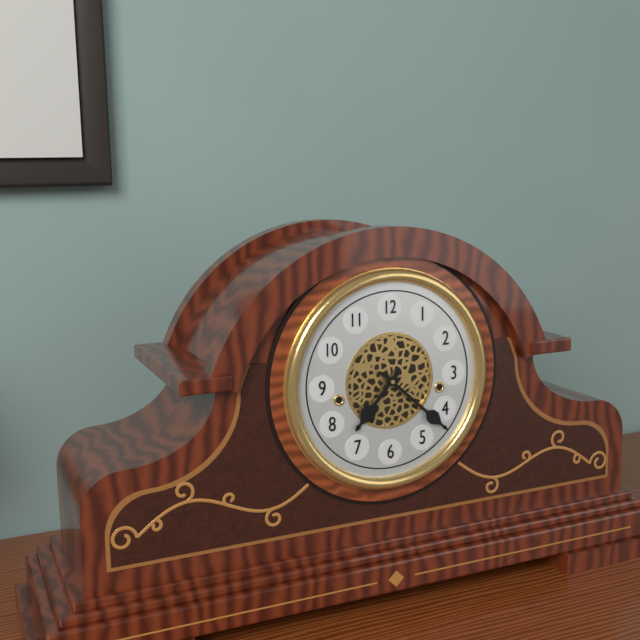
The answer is 7 h 22 min
